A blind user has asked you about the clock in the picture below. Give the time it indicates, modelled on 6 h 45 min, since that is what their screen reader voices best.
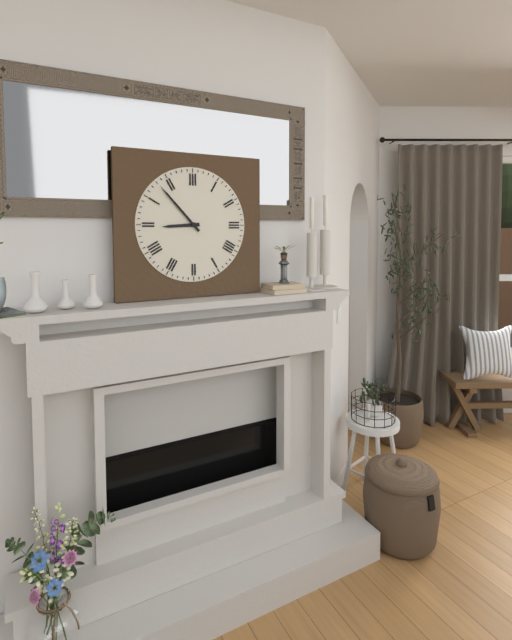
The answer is 8 h 53 min
